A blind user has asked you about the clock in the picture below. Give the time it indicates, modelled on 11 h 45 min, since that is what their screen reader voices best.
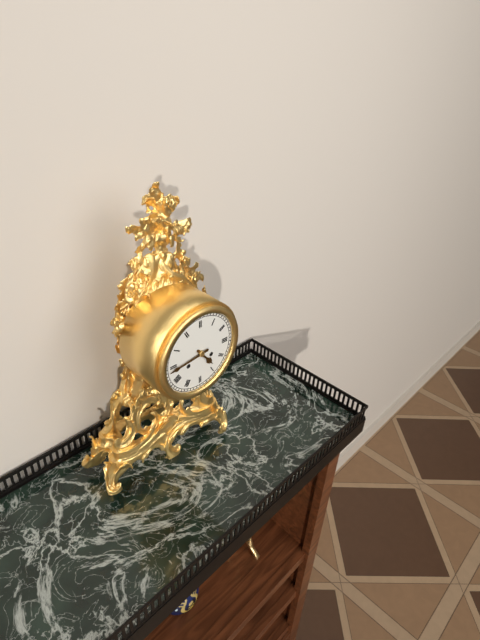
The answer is 4 h 44 min
